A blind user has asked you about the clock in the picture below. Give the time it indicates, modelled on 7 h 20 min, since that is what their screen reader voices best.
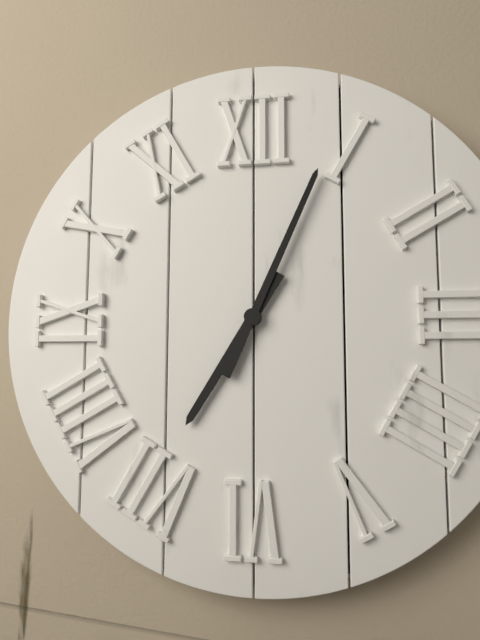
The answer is 7 h 04 min
